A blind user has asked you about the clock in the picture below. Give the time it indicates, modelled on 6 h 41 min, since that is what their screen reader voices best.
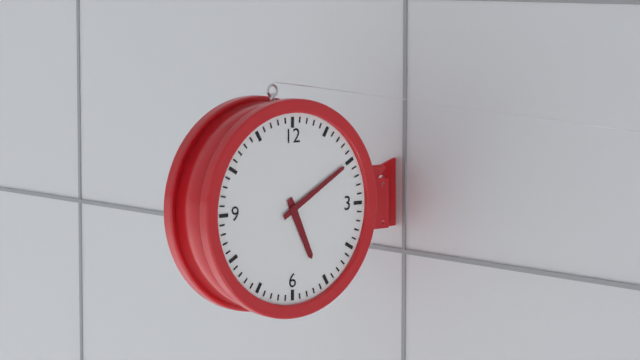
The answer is 5 h 10 min
